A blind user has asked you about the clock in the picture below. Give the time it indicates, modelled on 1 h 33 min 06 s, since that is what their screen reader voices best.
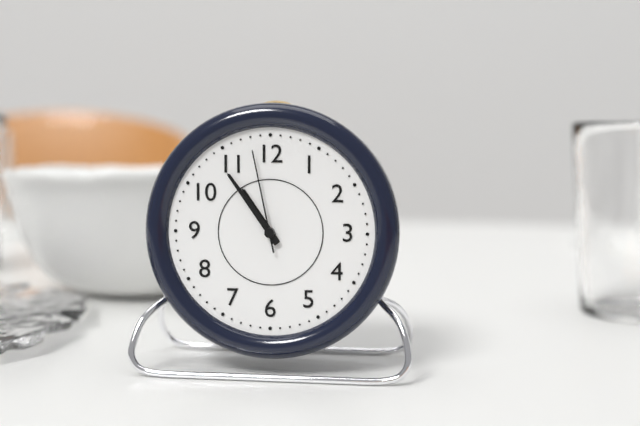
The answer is 10 h 54 min 58 s
